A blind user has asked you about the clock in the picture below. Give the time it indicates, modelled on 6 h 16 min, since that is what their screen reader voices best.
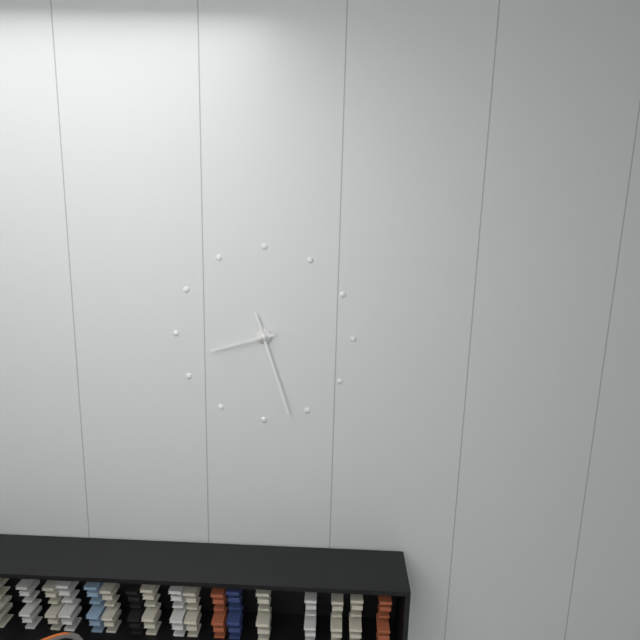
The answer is 8 h 27 min
